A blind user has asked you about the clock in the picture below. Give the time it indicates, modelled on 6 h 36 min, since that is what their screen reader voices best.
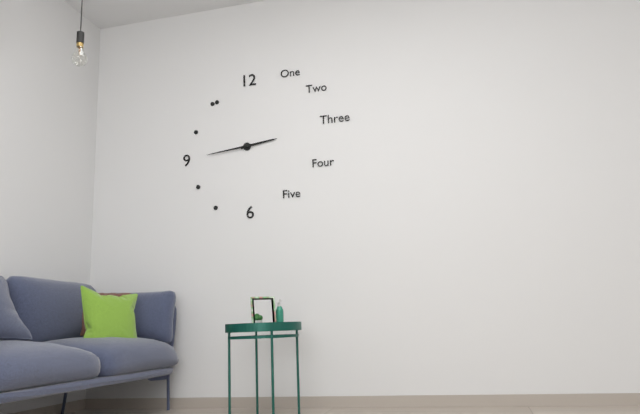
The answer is 2 h 44 min
